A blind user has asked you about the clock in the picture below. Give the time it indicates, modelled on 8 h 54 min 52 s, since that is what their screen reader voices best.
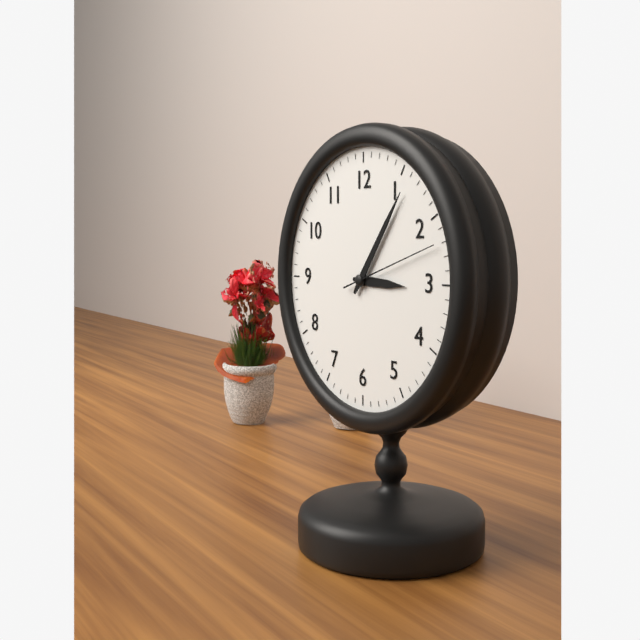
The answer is 3 h 06 min 12 s
